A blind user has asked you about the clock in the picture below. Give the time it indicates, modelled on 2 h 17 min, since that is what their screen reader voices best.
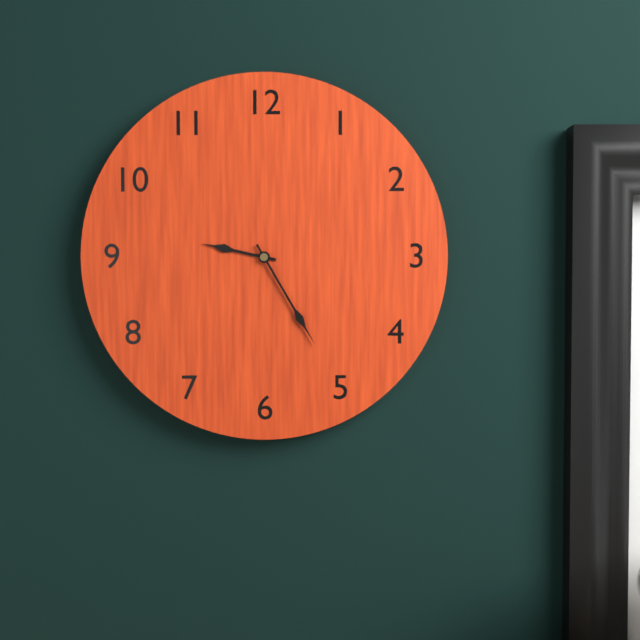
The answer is 9 h 25 min
